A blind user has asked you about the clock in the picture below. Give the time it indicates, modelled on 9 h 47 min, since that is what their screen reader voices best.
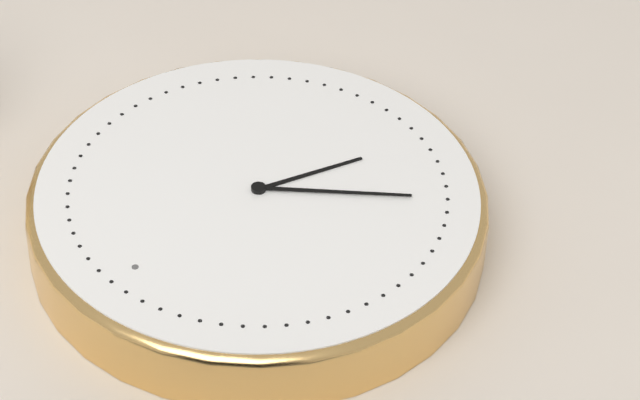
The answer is 6 h 38 min
